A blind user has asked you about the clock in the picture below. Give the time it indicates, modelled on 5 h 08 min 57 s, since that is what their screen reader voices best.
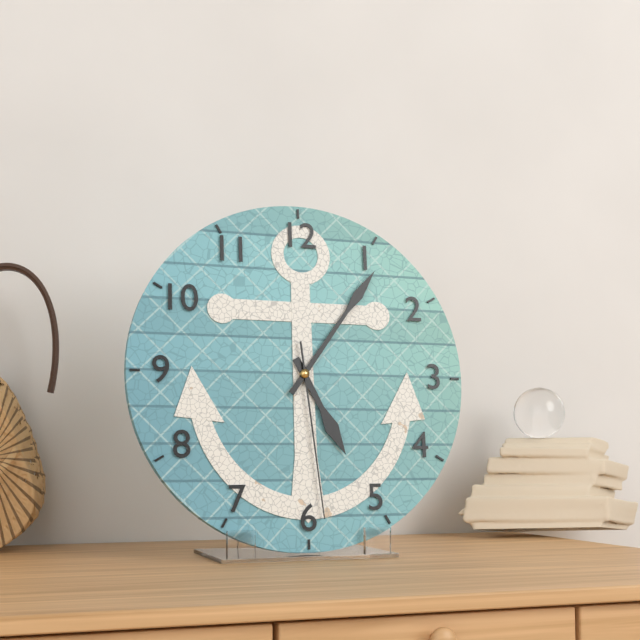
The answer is 5 h 06 min 29 s
